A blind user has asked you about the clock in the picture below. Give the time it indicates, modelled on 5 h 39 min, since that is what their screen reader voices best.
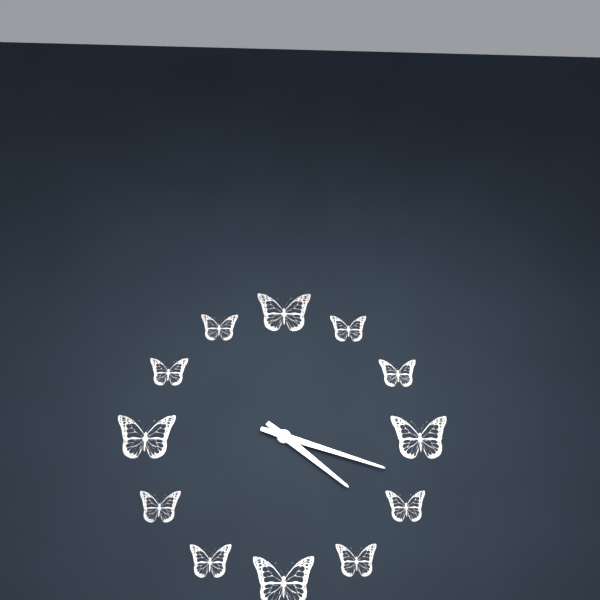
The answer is 4 h 18 min
